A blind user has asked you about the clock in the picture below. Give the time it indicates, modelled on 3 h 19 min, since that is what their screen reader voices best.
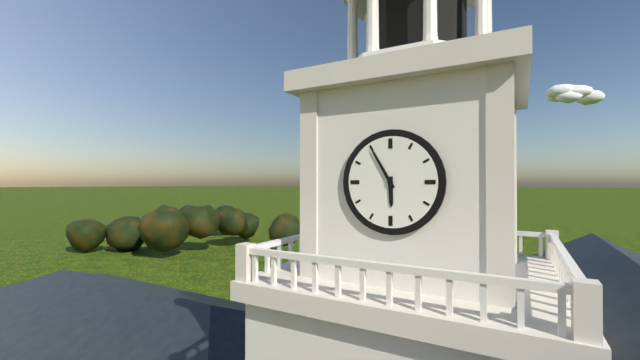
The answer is 5 h 55 min
